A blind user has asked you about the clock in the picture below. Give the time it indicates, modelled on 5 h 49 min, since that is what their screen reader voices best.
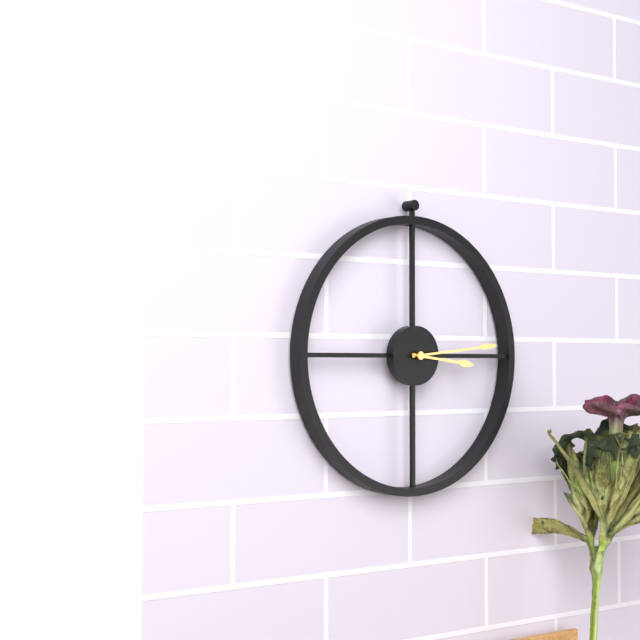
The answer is 3 h 14 min
